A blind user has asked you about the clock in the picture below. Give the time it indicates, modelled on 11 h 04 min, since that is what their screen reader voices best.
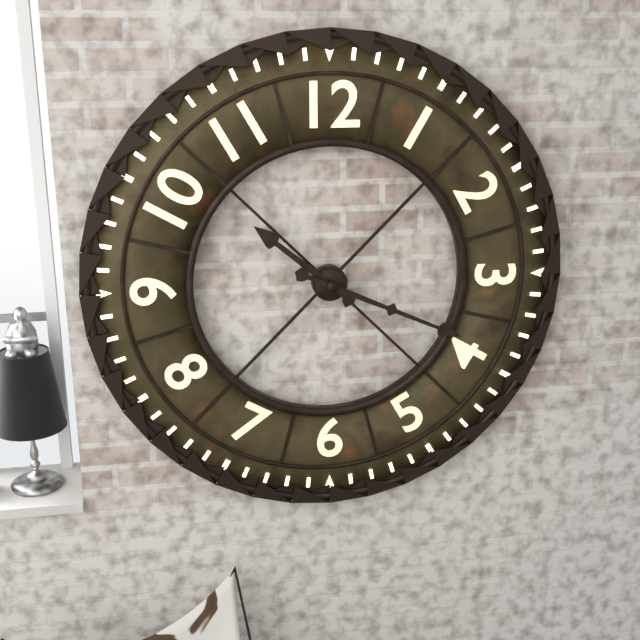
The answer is 10 h 19 min
